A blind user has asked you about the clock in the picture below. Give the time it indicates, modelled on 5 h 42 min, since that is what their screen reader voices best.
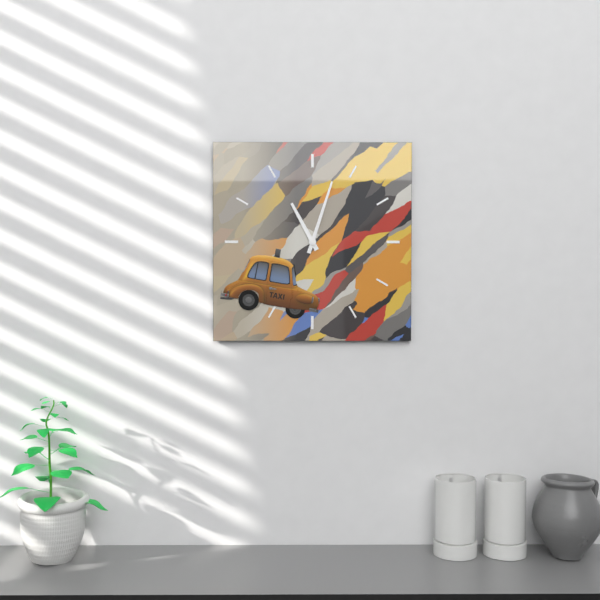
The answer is 11 h 03 min
